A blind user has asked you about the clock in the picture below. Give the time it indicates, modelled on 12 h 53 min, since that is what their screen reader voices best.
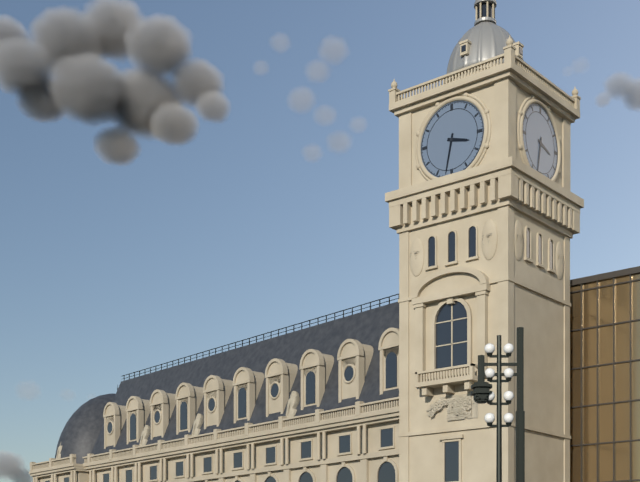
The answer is 3 h 32 min
